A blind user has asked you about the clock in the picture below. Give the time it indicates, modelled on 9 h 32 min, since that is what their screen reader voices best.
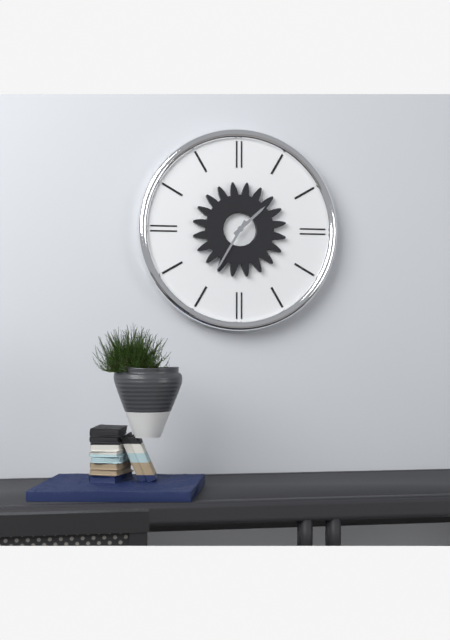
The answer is 1 h 35 min
